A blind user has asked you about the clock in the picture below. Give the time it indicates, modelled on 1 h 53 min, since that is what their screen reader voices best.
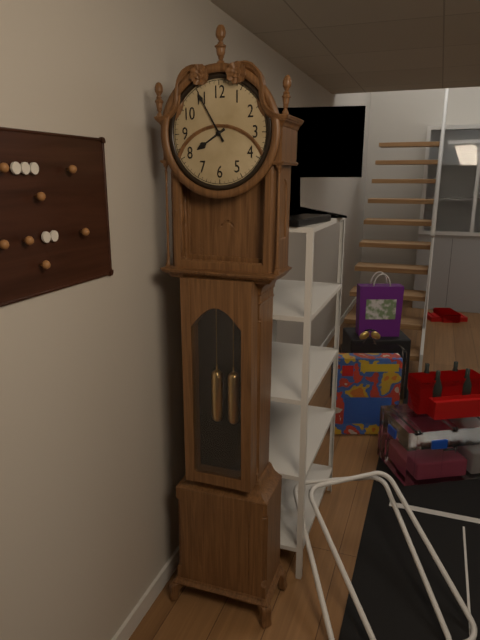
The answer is 7 h 55 min
